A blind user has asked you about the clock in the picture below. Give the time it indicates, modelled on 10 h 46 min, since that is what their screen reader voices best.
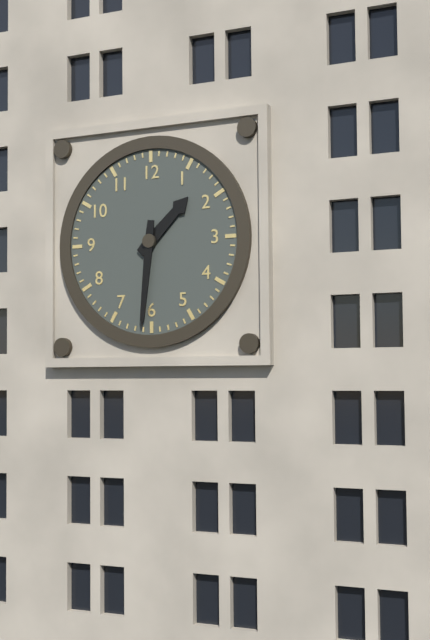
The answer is 1 h 31 min
